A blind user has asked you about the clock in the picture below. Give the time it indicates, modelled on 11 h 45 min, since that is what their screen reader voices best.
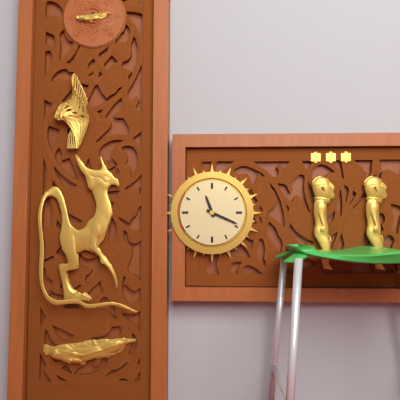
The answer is 11 h 19 min
